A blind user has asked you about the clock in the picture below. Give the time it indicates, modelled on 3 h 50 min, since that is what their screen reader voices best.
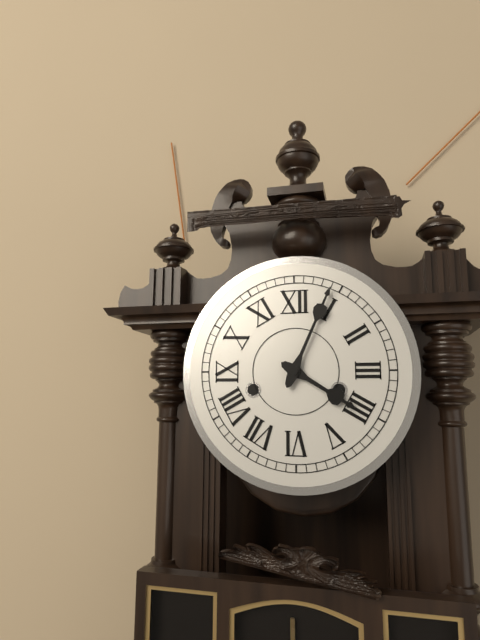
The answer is 4 h 04 min
